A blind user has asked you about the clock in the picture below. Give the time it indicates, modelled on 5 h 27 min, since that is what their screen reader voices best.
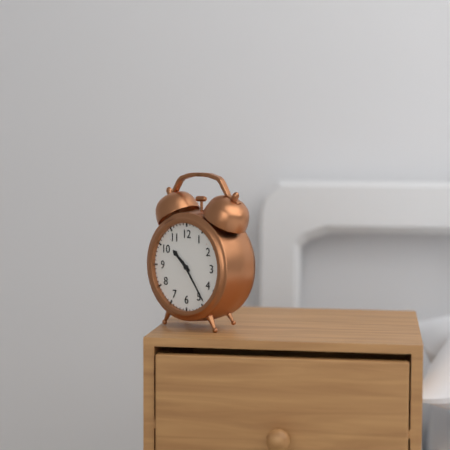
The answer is 10 h 24 min
